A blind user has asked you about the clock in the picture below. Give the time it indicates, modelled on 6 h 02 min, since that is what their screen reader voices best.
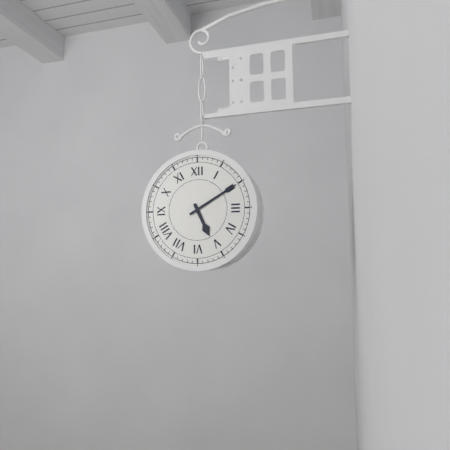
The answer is 5 h 10 min
